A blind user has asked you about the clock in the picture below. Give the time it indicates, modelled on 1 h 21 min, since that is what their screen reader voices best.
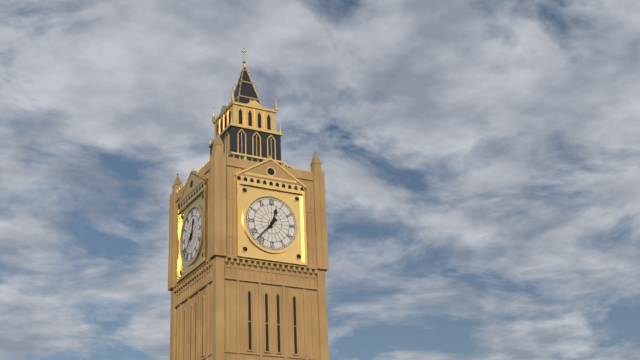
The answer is 12 h 37 min
